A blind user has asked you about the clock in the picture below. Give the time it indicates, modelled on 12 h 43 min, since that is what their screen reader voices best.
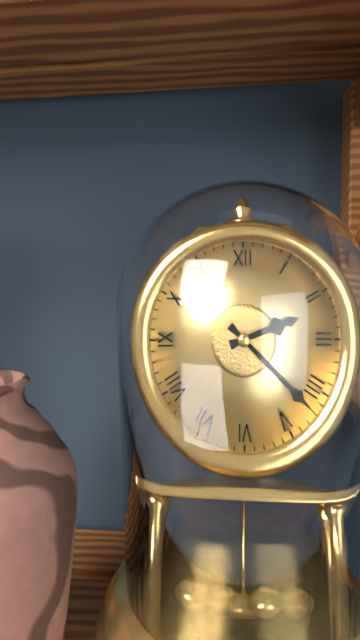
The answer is 2 h 22 min
